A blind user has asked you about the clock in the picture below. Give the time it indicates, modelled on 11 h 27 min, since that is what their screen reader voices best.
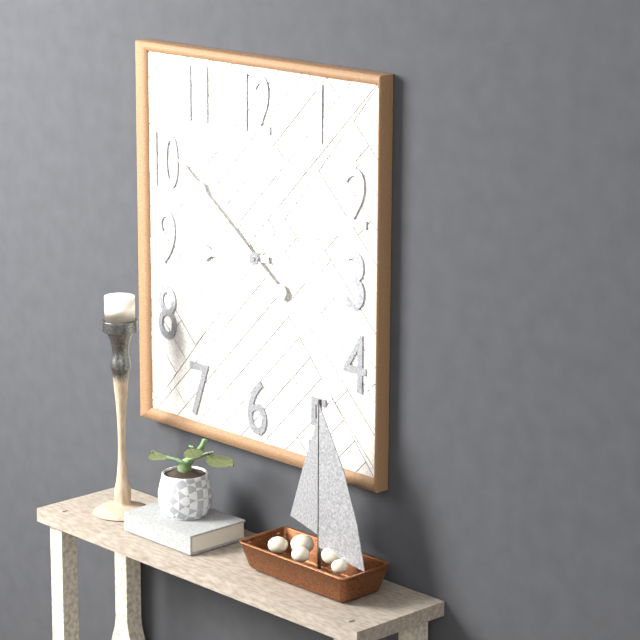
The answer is 8 h 51 min
